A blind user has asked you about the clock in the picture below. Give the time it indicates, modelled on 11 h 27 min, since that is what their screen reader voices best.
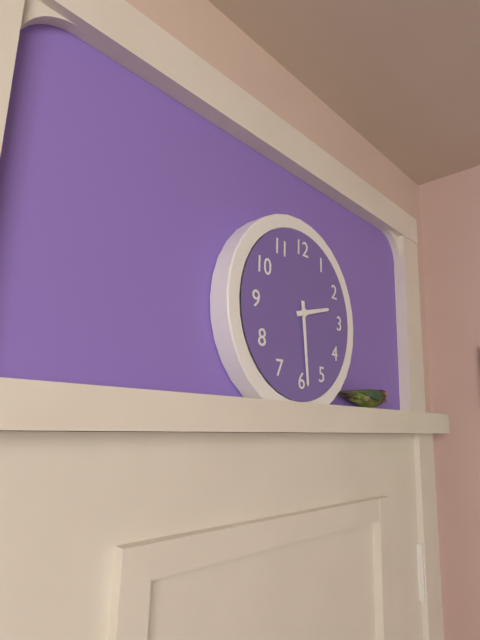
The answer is 2 h 29 min
